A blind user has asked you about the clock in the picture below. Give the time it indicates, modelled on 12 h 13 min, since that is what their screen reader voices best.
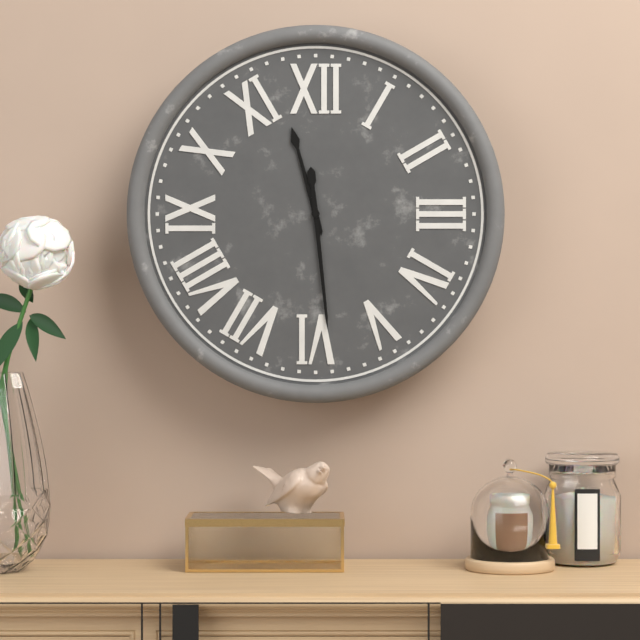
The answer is 11 h 29 min
